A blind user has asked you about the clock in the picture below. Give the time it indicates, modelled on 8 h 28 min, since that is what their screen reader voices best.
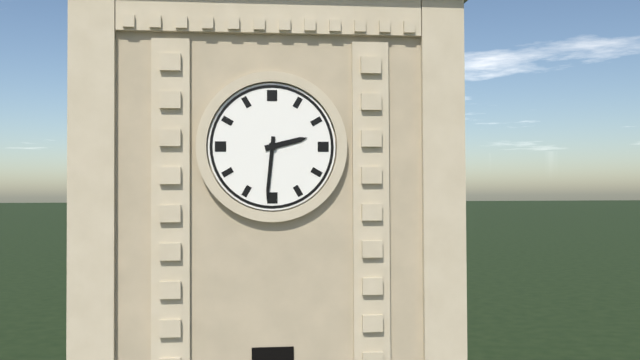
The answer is 2 h 31 min
